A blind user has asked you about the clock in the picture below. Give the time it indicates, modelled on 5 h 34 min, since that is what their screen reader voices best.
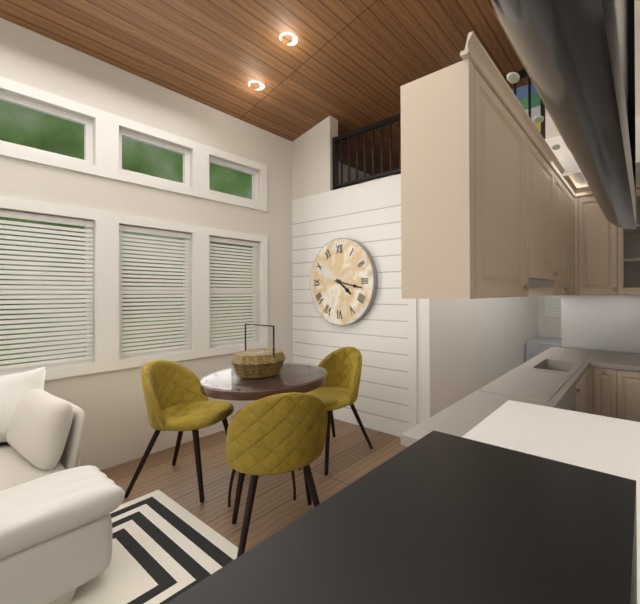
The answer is 4 h 17 min
